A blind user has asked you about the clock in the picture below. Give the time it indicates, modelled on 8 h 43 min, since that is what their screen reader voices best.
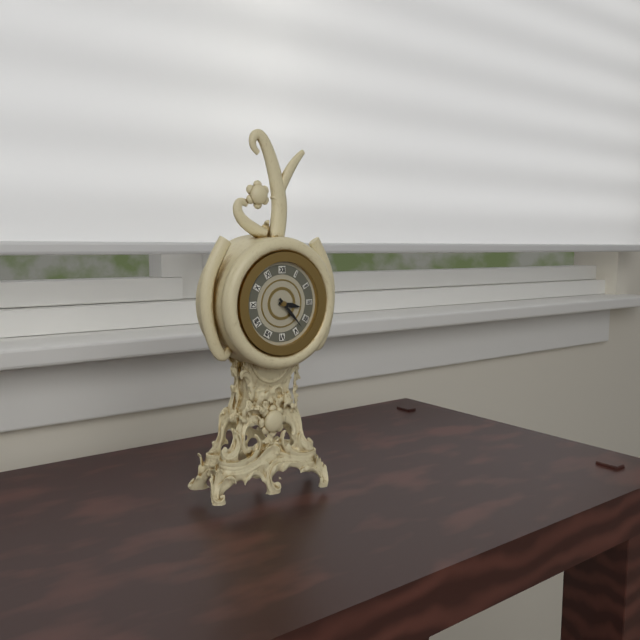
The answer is 3 h 23 min
